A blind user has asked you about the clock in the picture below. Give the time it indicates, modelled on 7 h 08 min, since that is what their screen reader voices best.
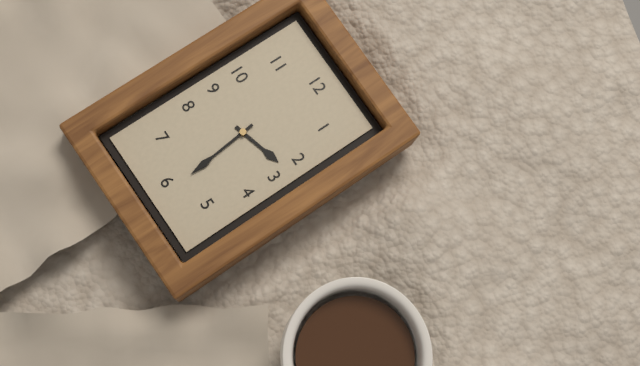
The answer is 2 h 29 min
